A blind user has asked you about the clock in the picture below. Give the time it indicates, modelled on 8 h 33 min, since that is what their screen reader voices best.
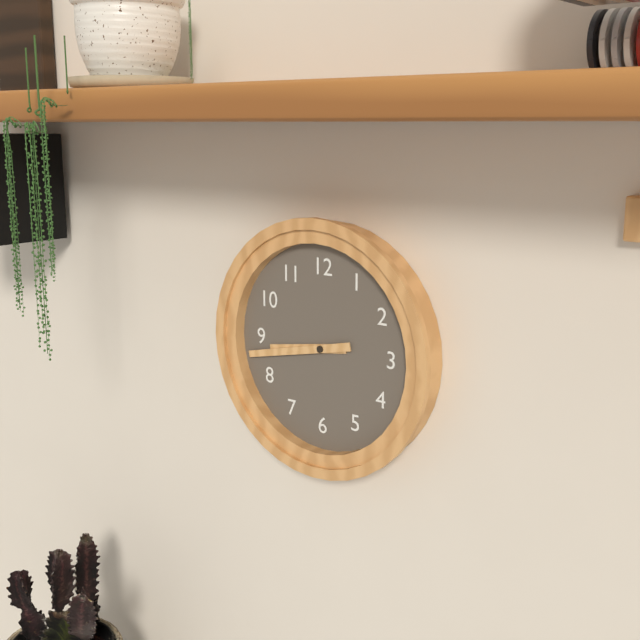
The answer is 8 h 43 min
